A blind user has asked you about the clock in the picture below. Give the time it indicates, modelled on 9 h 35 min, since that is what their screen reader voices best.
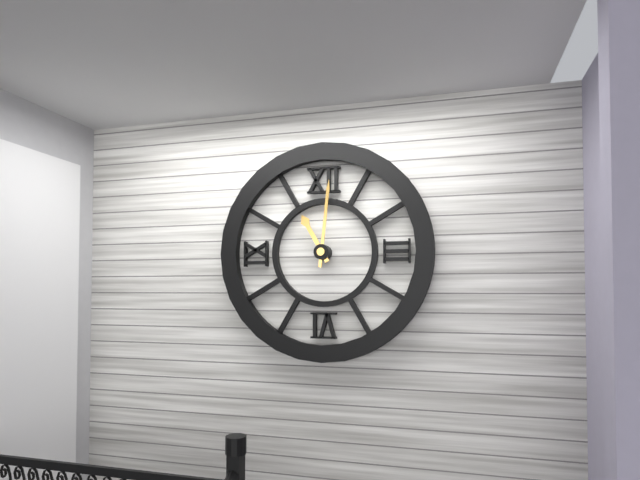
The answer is 11 h 01 min
